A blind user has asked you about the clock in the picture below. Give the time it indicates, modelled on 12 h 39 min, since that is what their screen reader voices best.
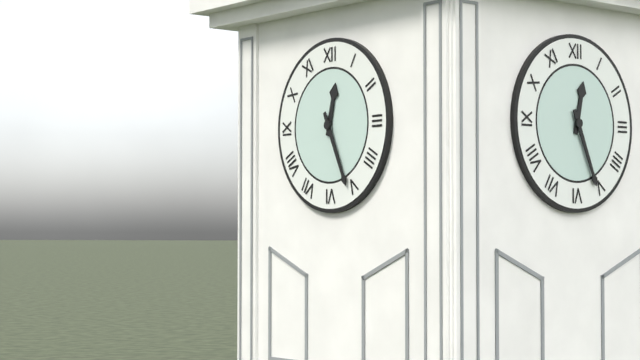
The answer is 12 h 26 min
